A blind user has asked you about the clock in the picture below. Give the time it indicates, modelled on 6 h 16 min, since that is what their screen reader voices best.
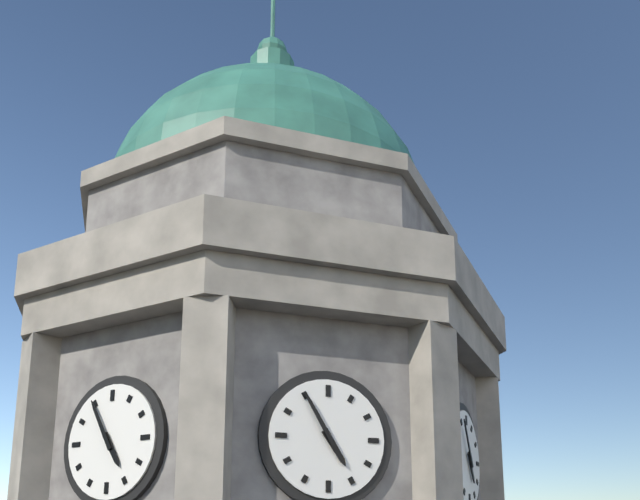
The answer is 4 h 55 min
